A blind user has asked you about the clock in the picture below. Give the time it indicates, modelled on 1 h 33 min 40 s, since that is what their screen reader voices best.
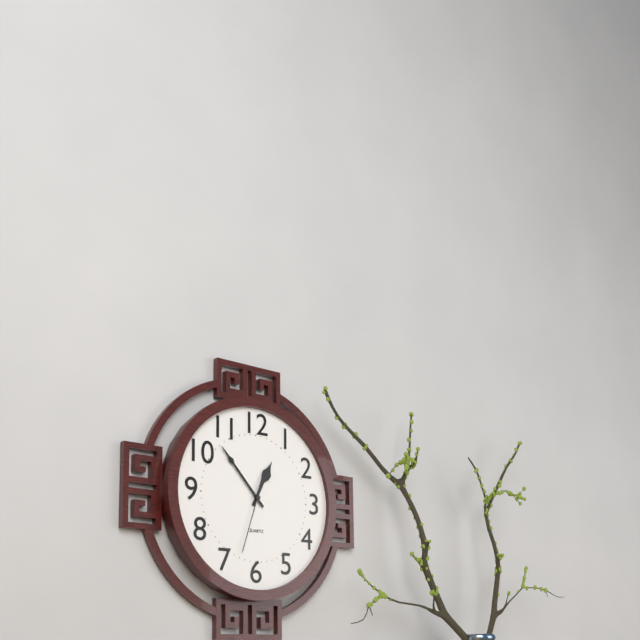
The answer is 12 h 53 min 33 s
